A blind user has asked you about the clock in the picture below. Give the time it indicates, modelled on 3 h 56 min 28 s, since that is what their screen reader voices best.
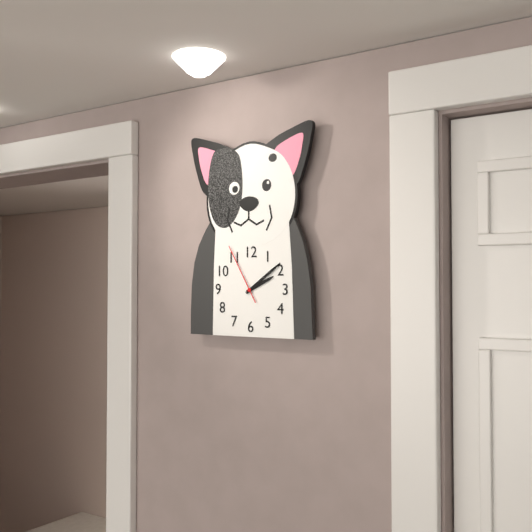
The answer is 2 h 09 min 55 s
